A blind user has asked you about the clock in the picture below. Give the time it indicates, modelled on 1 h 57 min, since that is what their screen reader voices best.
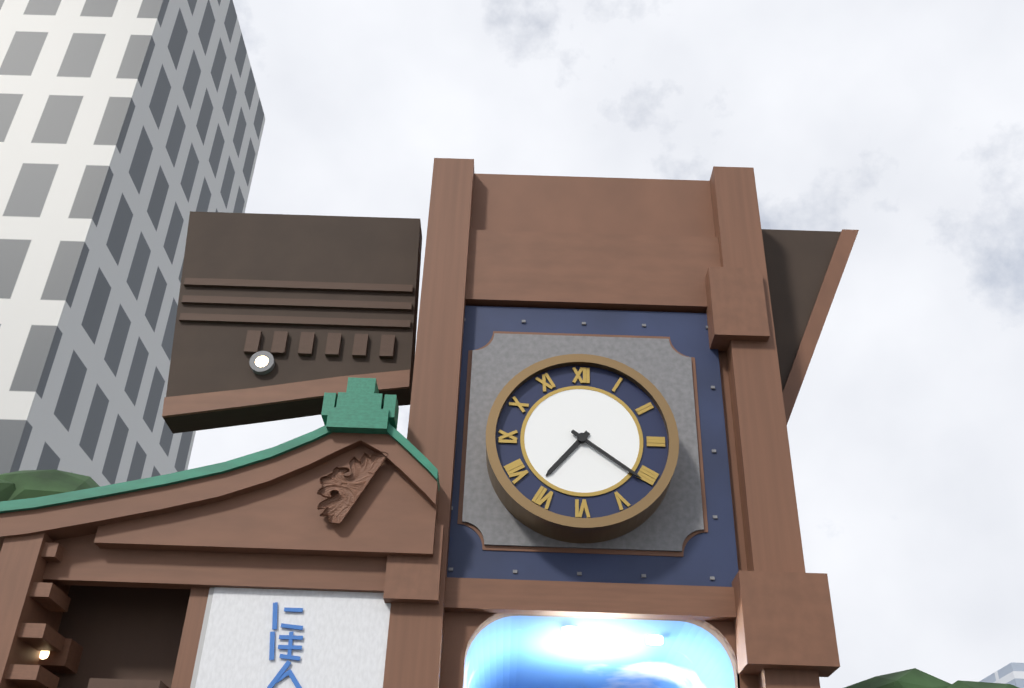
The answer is 7 h 21 min
